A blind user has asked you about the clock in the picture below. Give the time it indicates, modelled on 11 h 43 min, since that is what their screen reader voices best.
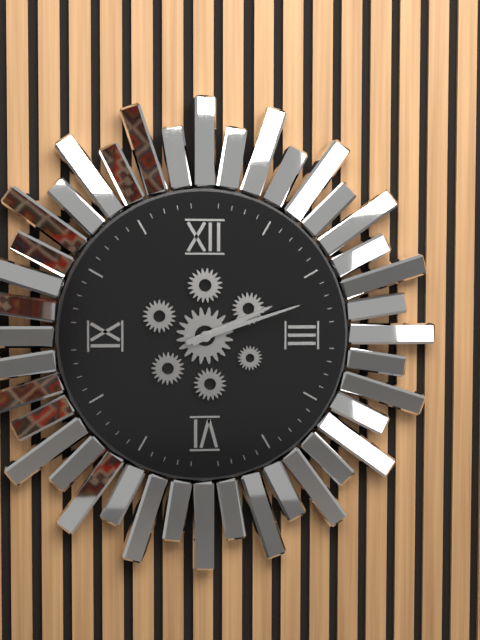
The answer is 2 h 12 min
